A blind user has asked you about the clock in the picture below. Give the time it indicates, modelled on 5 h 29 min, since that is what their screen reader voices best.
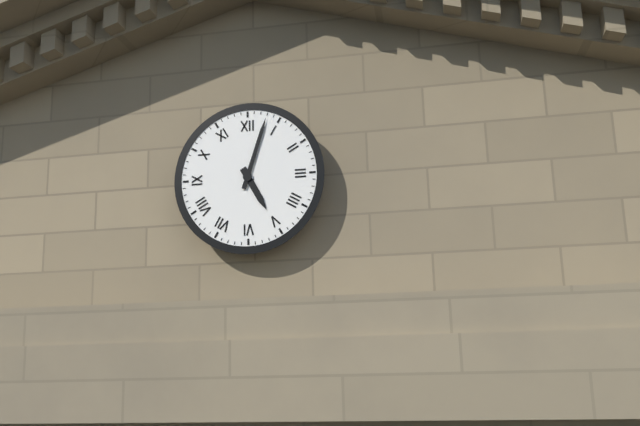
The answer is 5 h 03 min
